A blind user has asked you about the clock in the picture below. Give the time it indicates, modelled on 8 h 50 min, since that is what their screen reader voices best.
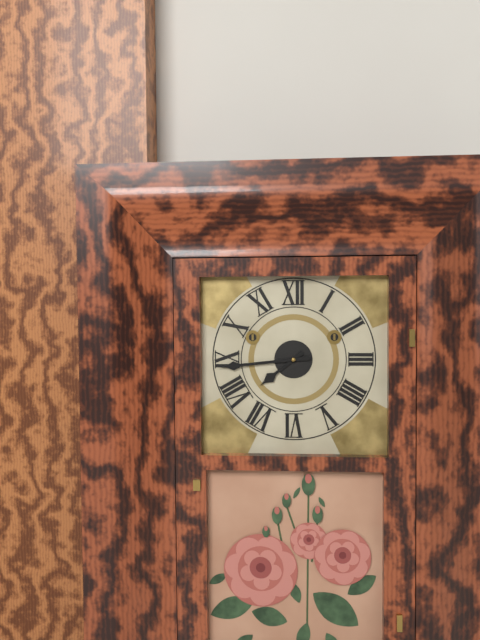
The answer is 7 h 44 min
